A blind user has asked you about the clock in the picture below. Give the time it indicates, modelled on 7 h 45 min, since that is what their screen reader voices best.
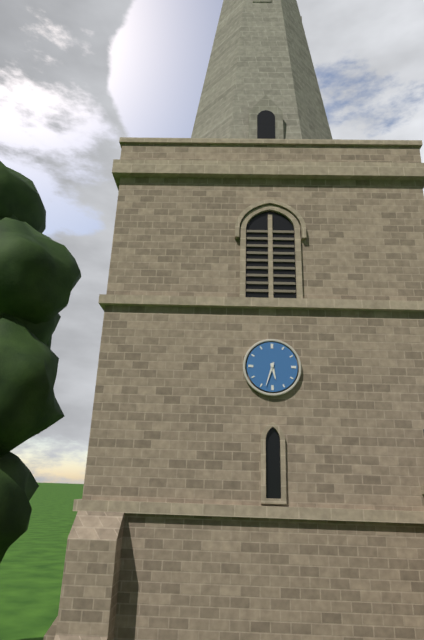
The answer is 5 h 33 min
